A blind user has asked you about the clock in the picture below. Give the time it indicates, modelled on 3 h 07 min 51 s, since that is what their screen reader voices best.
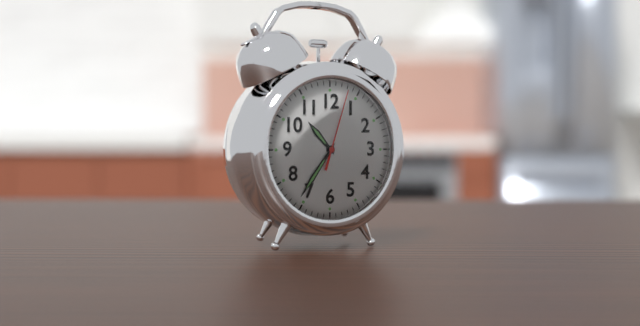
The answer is 10 h 36 min 03 s
